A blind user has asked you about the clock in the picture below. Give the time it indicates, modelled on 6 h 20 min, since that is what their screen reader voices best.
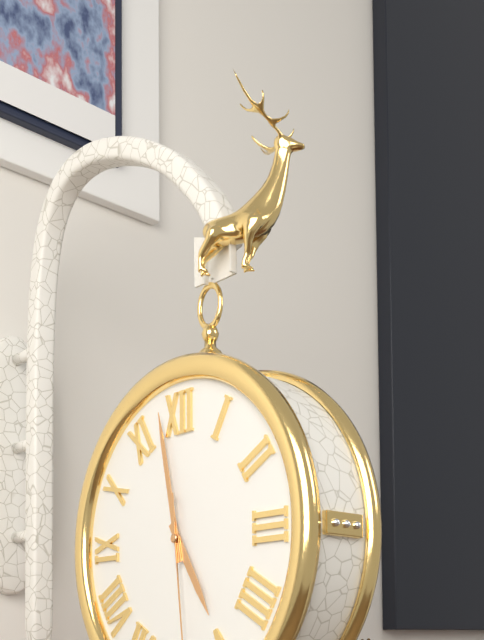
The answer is 4 h 58 min
